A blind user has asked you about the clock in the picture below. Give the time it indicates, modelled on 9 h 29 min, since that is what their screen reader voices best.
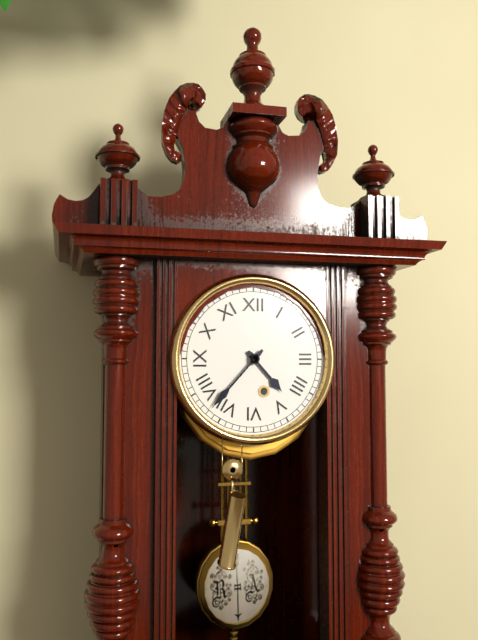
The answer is 4 h 37 min
